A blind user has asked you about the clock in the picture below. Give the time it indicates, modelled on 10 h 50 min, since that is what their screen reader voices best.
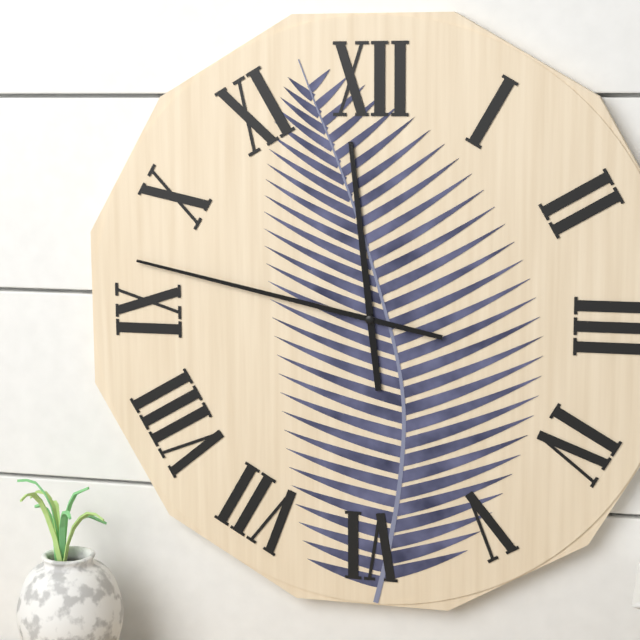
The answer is 11 h 47 min
